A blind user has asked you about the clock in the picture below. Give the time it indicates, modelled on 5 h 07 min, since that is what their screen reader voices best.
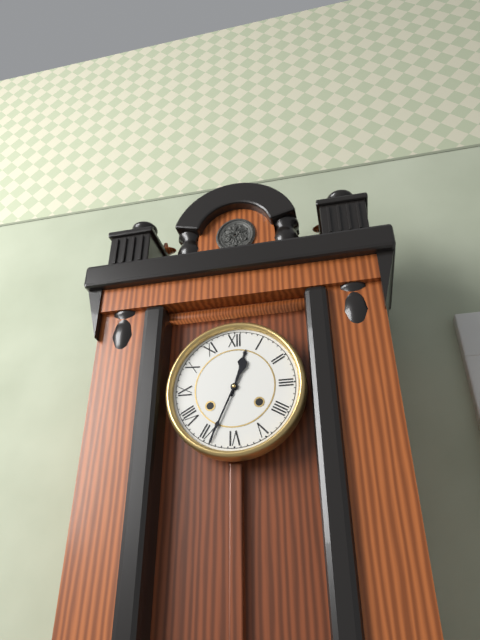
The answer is 12 h 34 min
